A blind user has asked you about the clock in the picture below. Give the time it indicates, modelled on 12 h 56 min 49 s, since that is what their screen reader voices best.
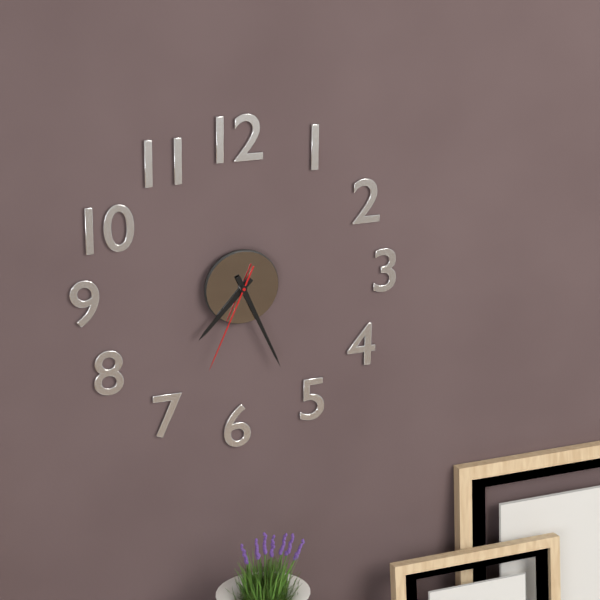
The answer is 7 h 26 min 34 s
